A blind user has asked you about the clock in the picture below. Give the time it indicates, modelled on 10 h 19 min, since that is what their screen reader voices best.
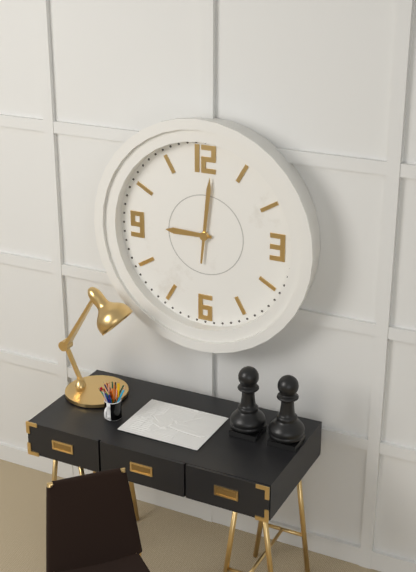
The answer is 9 h 01 min
